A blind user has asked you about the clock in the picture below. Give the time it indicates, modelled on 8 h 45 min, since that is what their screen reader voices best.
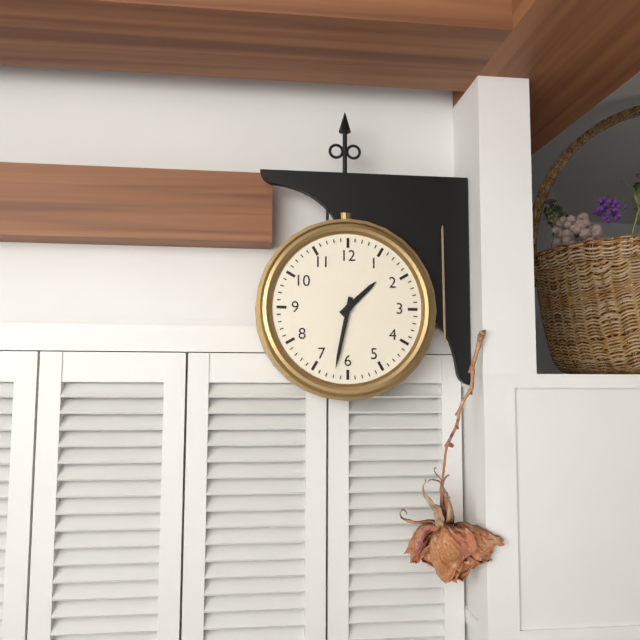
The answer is 1 h 32 min
